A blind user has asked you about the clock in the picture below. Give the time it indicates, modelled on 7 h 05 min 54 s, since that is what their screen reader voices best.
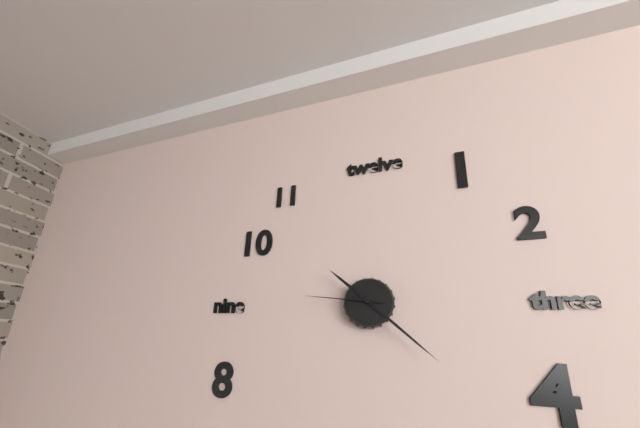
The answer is 10 h 22 min 46 s
